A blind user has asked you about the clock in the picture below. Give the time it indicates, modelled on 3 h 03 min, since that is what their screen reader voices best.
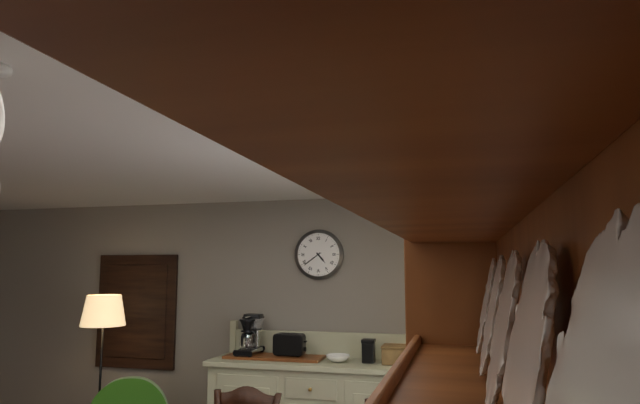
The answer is 4 h 39 min
